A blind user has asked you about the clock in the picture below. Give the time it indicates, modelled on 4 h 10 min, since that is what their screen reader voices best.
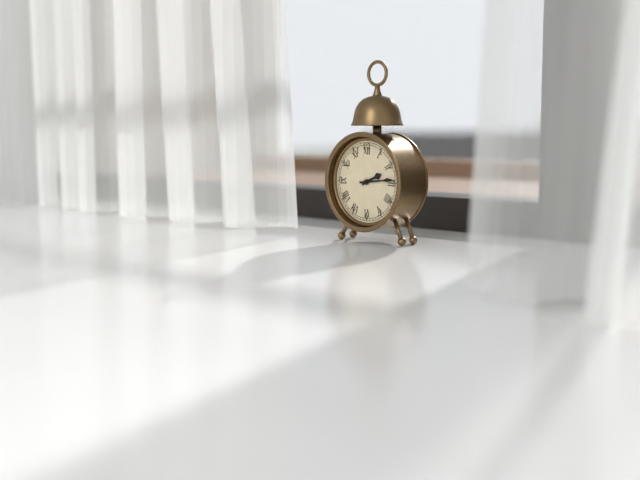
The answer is 2 h 14 min
